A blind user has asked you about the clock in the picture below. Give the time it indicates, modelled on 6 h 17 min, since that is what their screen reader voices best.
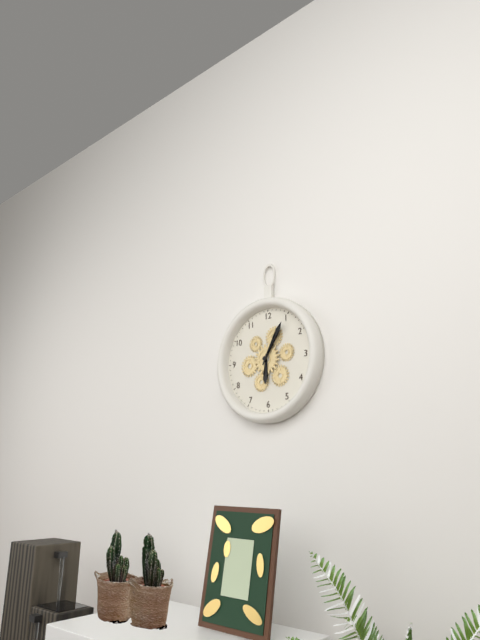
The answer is 6 h 05 min
